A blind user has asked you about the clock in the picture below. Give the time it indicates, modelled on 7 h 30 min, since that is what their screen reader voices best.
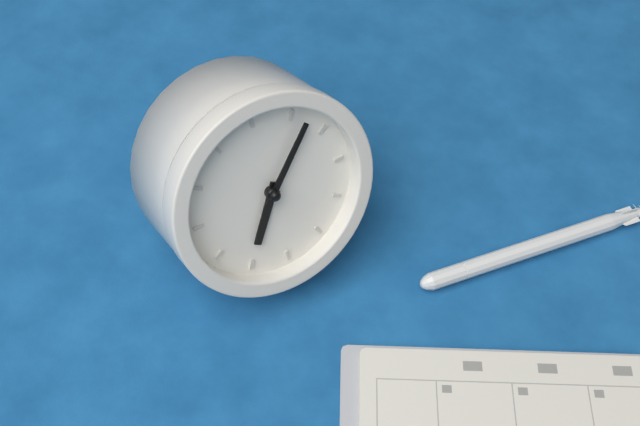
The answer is 6 h 02 min
